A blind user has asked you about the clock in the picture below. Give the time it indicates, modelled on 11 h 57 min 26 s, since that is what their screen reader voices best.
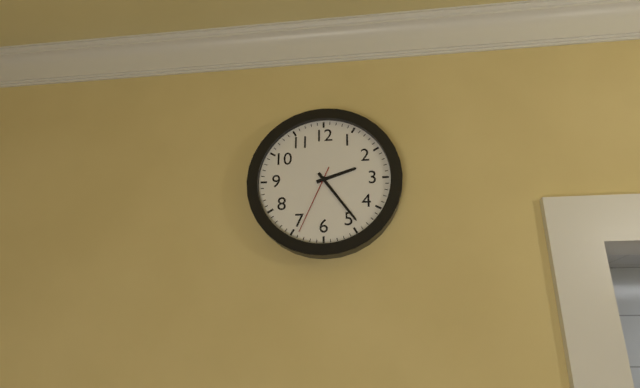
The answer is 2 h 24 min 34 s
